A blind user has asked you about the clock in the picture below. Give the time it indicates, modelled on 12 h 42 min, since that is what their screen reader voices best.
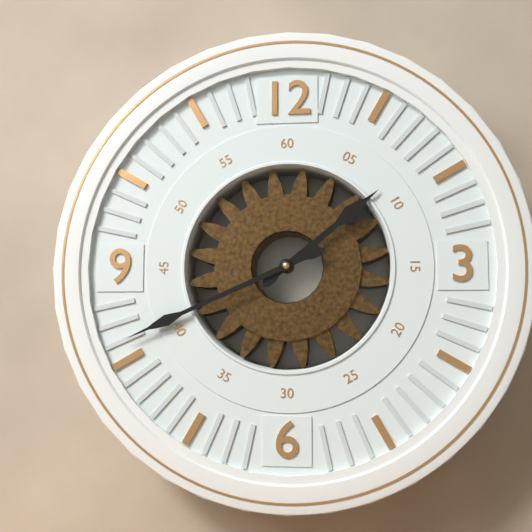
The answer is 1 h 41 min
